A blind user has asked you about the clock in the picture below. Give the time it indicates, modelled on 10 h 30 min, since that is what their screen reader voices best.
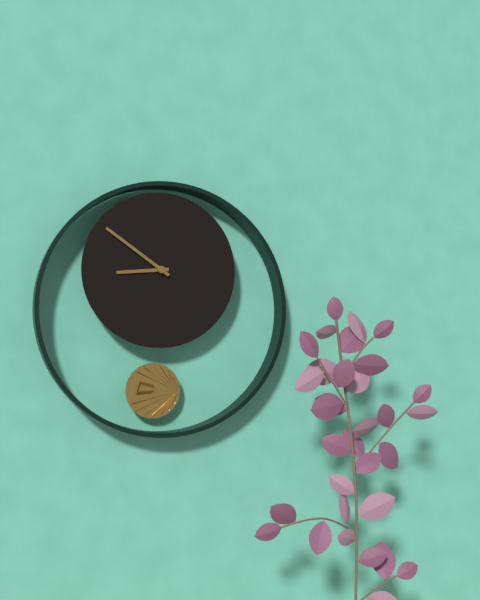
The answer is 8 h 51 min
